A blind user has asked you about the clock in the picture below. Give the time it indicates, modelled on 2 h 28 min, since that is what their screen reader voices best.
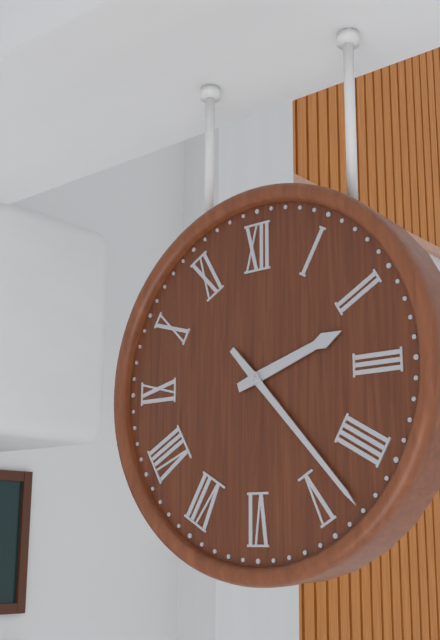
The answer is 2 h 23 min
